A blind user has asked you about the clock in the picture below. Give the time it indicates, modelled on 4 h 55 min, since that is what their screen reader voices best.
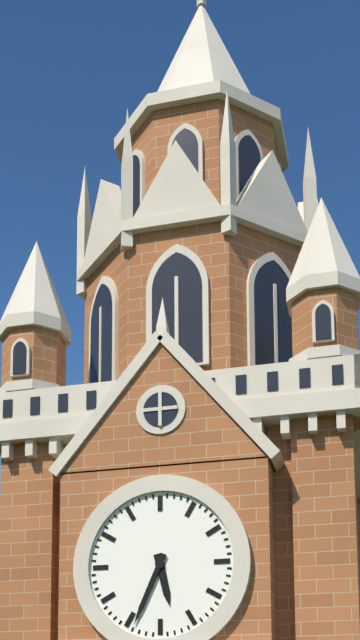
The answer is 5 h 34 min
